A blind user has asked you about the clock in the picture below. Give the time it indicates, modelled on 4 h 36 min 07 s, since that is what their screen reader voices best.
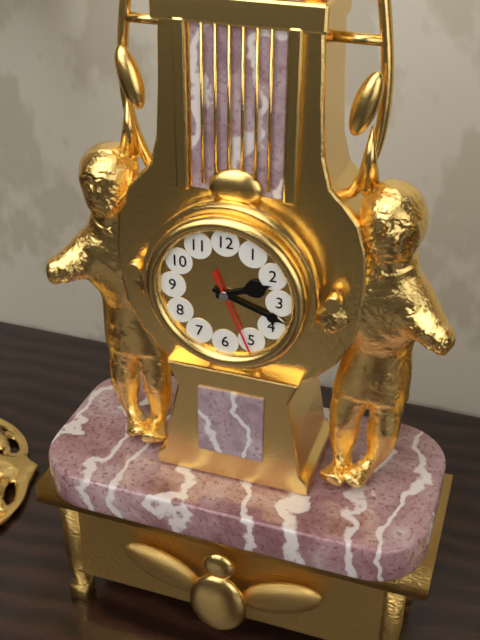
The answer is 2 h 18 min 26 s
